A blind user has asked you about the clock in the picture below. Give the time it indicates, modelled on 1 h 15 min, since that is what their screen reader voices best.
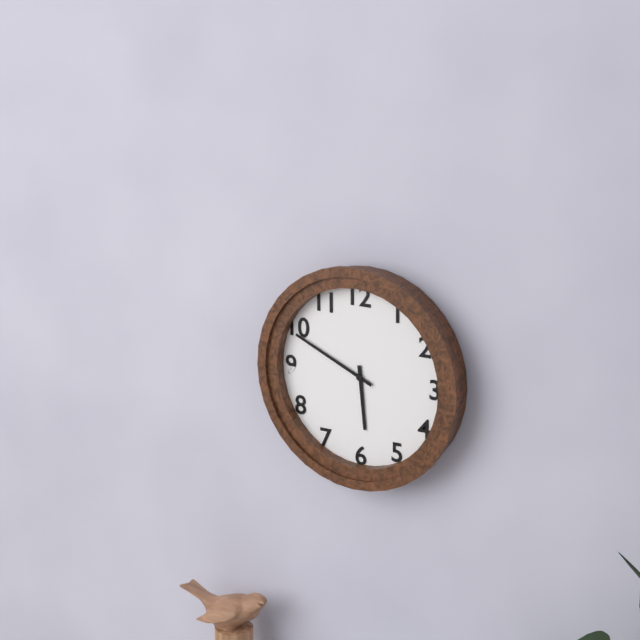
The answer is 5 h 49 min
